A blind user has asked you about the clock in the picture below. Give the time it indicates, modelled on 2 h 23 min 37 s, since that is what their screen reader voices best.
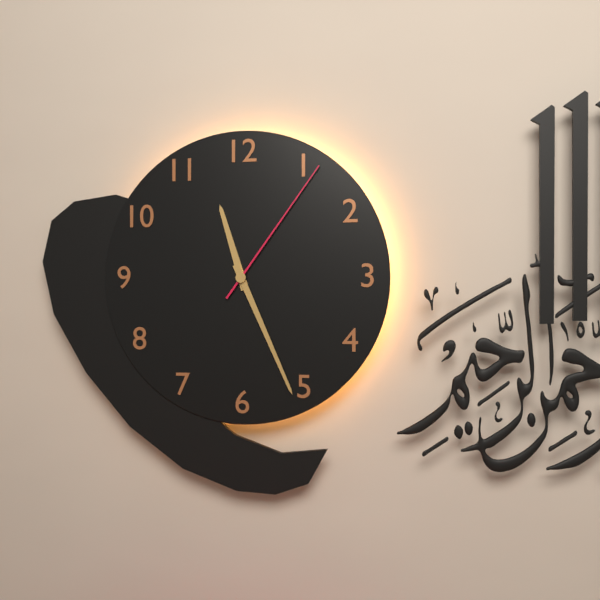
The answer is 11 h 26 min 06 s
